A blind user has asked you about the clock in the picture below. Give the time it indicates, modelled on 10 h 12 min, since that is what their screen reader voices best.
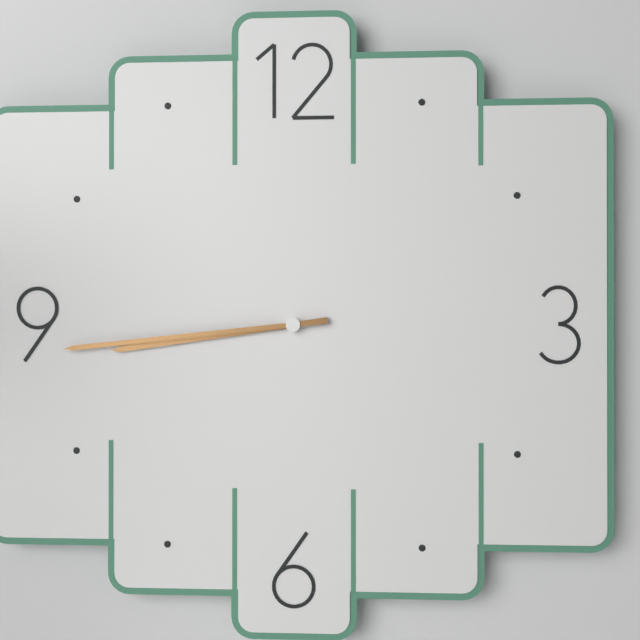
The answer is 8 h 44 min
